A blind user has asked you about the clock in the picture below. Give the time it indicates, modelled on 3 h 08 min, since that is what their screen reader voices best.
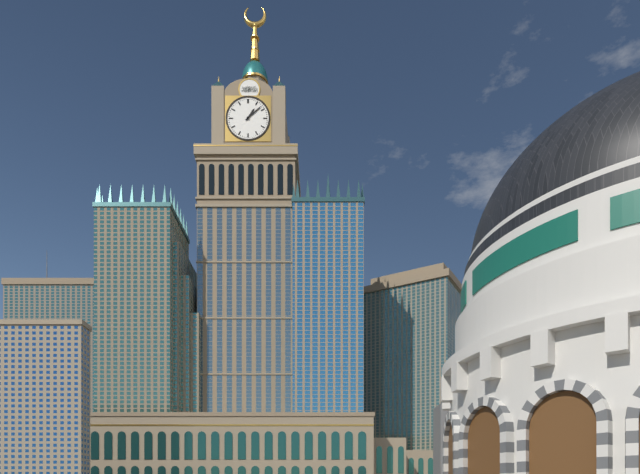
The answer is 1 h 08 min
